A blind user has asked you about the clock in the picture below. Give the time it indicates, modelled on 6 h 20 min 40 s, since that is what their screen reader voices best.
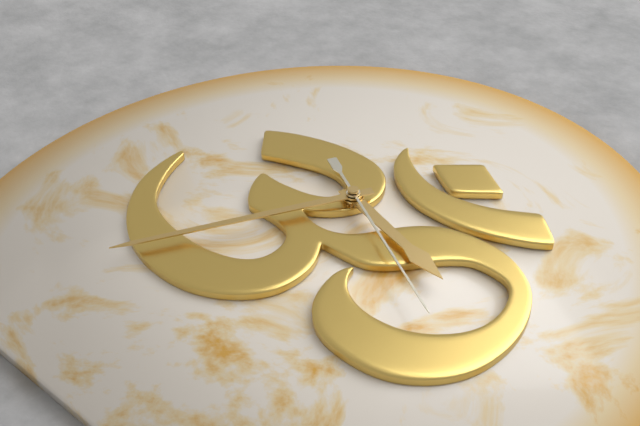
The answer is 3 h 35 min 20 s
